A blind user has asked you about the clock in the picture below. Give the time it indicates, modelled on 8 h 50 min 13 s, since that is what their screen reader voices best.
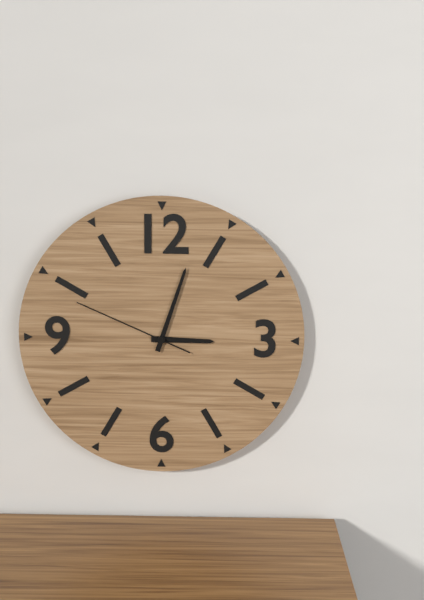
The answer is 3 h 03 min 49 s
